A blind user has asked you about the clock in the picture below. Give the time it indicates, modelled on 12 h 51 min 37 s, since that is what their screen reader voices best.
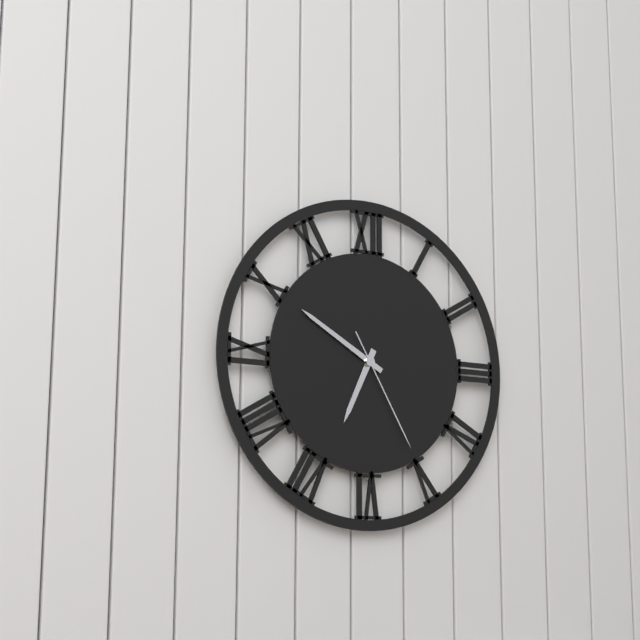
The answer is 6 h 50 min 25 s
